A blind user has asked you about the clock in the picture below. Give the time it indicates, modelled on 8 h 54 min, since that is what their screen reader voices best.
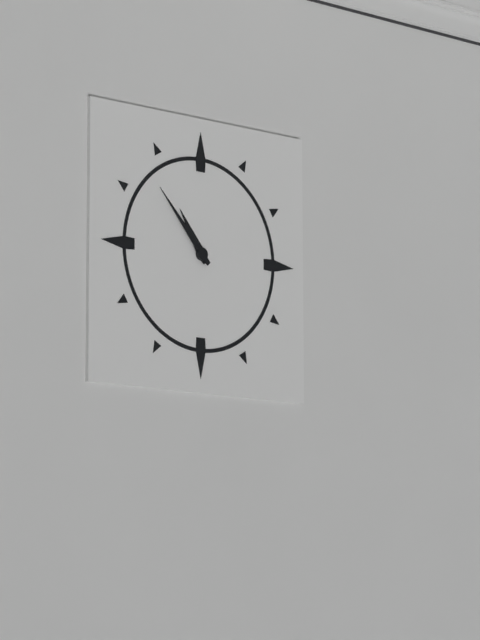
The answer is 10 h 53 min
